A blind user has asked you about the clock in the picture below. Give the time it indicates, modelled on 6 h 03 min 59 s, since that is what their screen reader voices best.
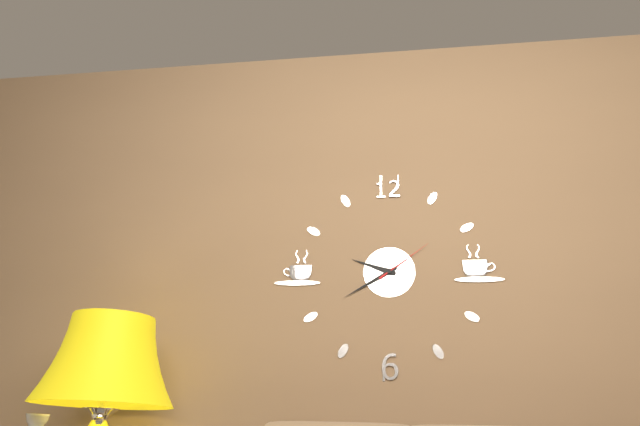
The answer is 9 h 40 min 09 s
